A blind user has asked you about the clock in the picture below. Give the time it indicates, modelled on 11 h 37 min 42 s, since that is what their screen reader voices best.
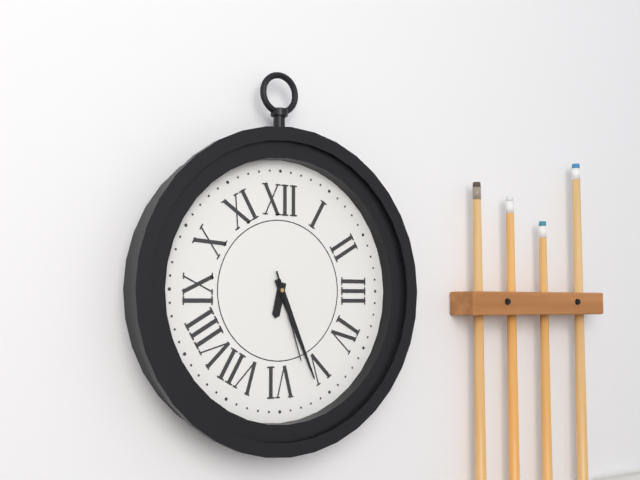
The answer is 6 h 26 min 27 s
